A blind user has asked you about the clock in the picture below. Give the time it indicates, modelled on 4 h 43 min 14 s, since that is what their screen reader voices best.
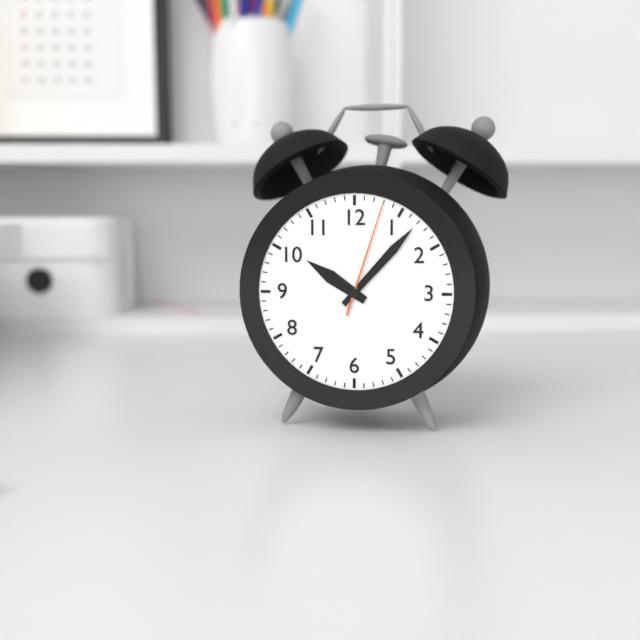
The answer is 10 h 07 min 03 s
